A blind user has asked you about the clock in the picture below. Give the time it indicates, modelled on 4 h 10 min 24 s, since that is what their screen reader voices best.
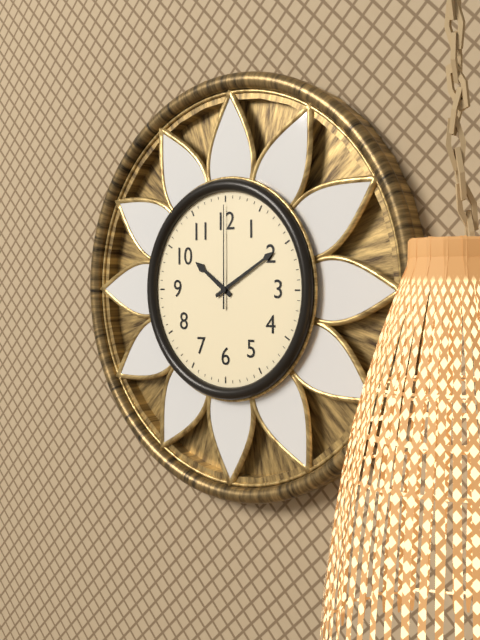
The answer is 10 h 10 min 00 s
